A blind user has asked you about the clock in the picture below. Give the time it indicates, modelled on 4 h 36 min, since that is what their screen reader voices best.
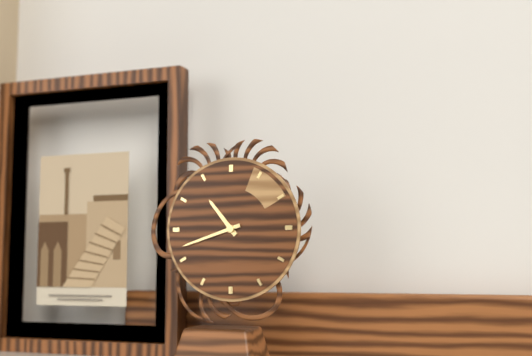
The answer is 10 h 42 min
